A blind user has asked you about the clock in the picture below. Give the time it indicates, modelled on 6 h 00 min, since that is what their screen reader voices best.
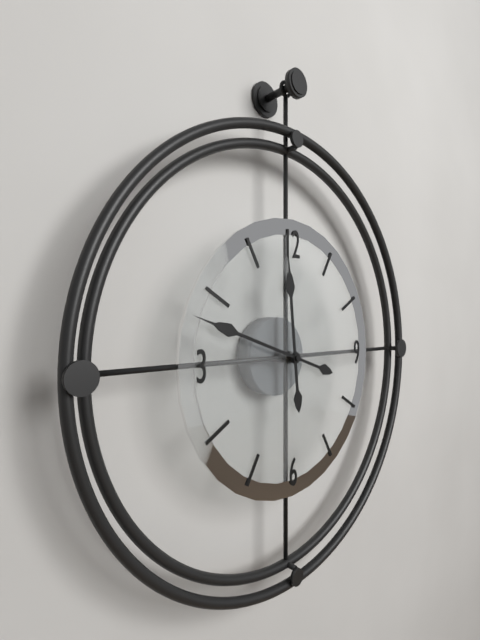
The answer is 11 h 48 min
